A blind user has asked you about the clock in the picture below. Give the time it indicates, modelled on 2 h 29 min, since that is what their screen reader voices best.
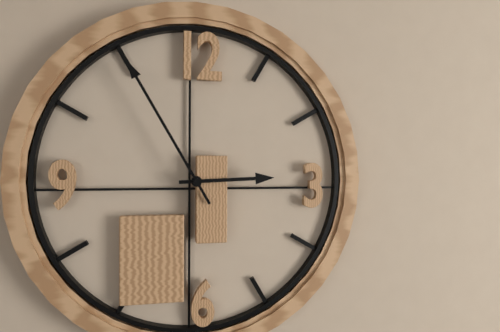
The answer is 2 h 55 min
